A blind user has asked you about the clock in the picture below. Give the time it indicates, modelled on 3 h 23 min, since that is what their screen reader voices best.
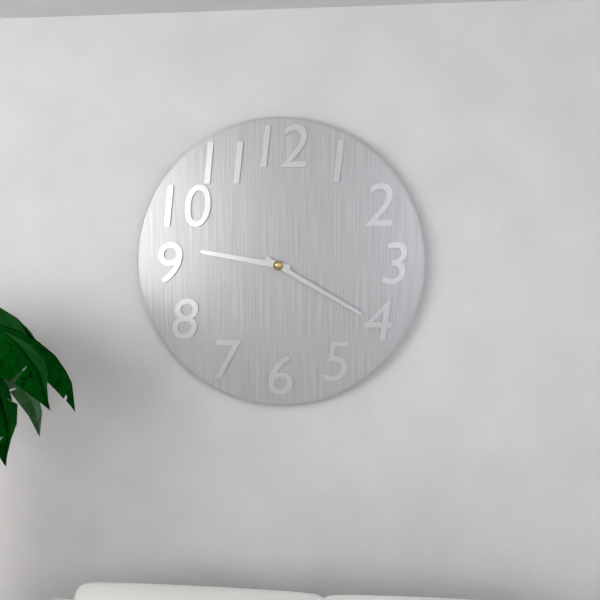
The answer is 9 h 20 min
